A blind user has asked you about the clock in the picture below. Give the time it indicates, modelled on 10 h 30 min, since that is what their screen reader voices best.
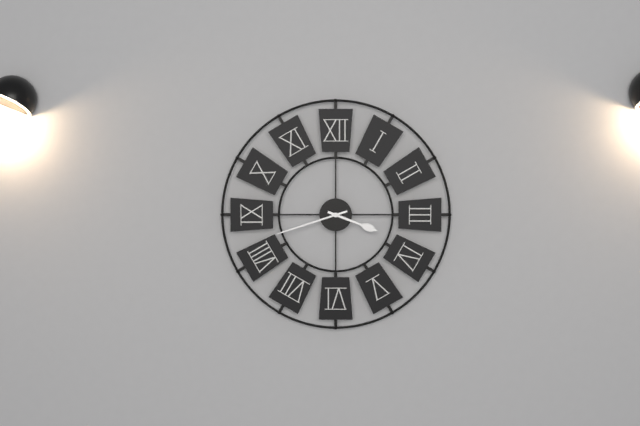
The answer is 3 h 42 min
